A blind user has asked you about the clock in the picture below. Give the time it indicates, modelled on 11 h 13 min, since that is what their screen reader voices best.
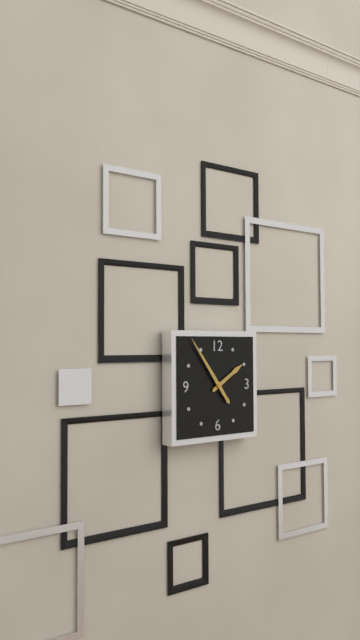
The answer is 1 h 54 min
